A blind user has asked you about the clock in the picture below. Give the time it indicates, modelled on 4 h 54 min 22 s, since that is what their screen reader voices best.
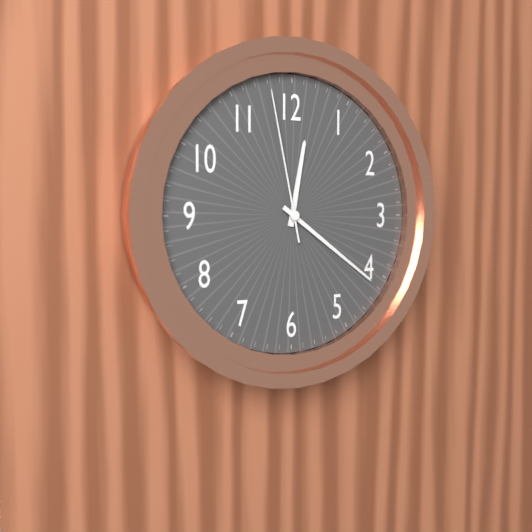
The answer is 12 h 21 min 58 s
